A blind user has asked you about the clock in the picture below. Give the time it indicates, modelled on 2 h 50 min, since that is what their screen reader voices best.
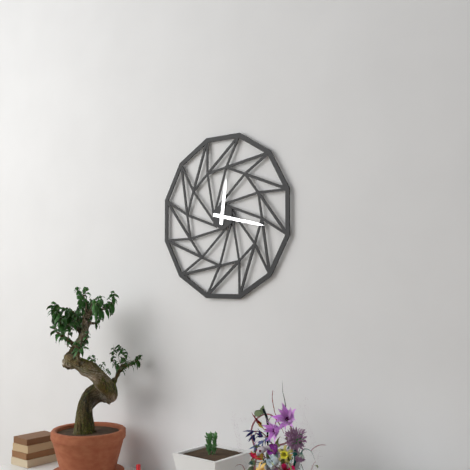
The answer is 12 h 17 min
